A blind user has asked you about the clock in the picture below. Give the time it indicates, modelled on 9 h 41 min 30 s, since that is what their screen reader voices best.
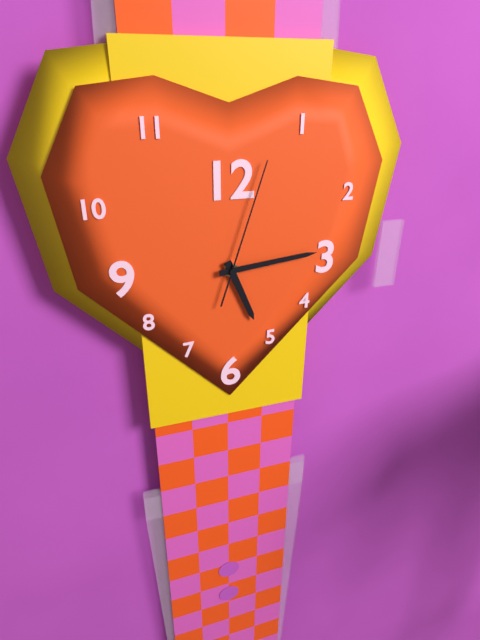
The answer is 5 h 14 min 03 s
